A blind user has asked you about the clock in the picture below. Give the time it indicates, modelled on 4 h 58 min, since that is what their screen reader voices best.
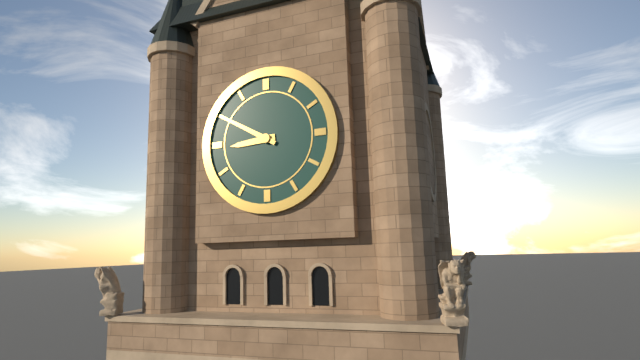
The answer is 8 h 50 min
